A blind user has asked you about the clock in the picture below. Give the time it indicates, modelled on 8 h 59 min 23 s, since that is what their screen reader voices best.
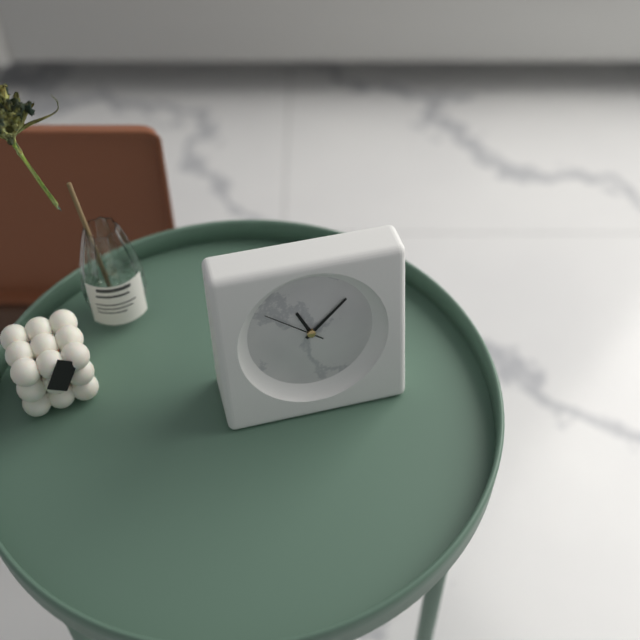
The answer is 11 h 08 min 51 s
